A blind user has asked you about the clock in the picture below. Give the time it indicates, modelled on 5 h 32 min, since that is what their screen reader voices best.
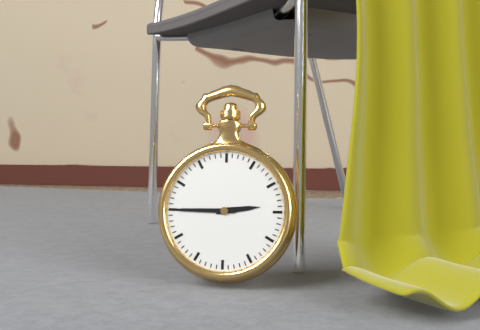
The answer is 2 h 45 min
